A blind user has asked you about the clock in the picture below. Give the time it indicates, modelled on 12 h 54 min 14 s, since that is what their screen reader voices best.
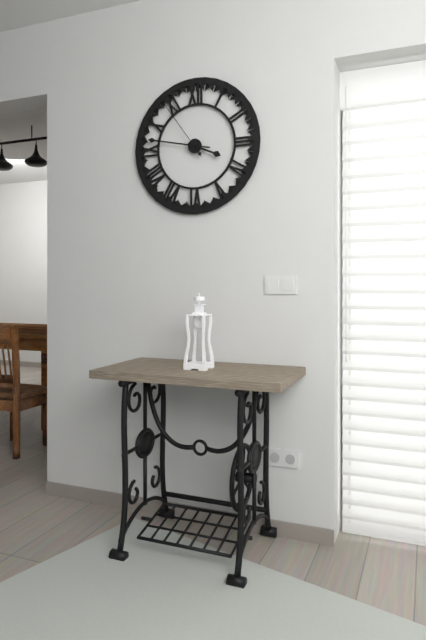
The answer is 3 h 47 min 54 s
